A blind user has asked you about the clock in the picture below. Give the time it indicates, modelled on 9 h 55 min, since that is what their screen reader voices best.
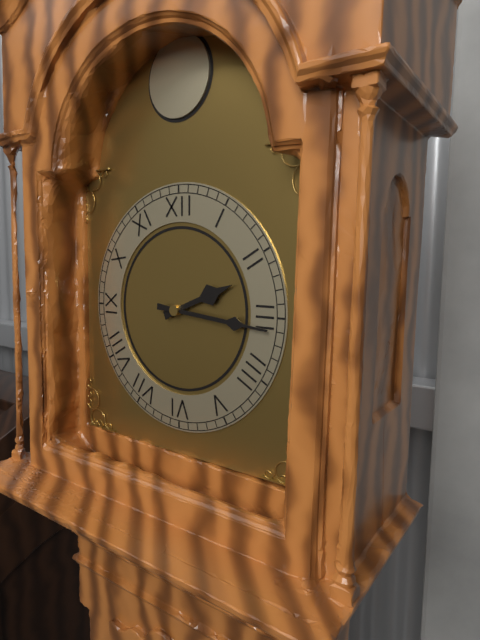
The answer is 2 h 16 min
